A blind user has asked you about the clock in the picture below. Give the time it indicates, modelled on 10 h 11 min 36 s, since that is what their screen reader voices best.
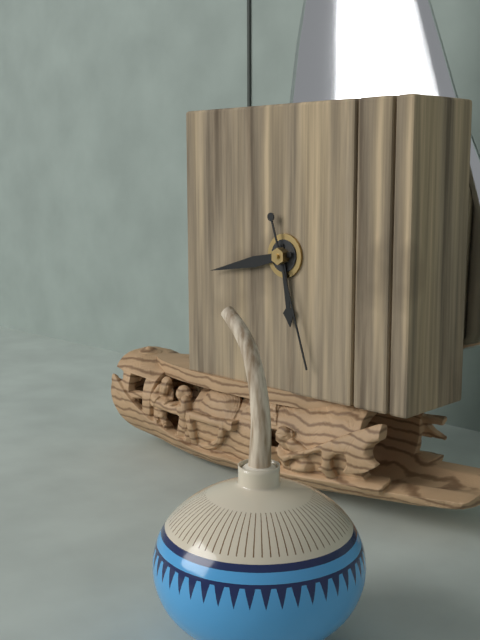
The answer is 5 h 43 min 27 s
